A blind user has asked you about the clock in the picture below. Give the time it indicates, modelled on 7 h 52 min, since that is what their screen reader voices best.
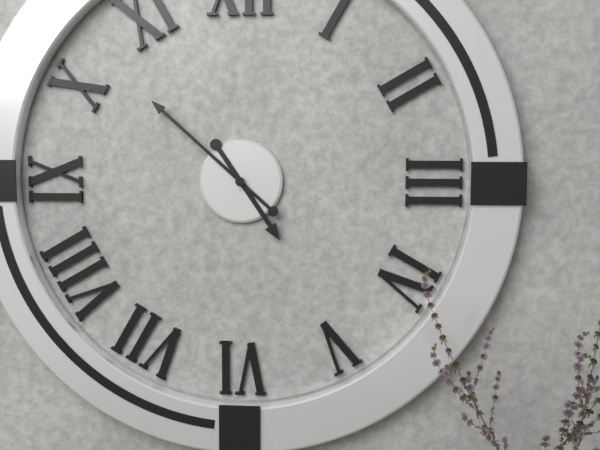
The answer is 4 h 52 min
